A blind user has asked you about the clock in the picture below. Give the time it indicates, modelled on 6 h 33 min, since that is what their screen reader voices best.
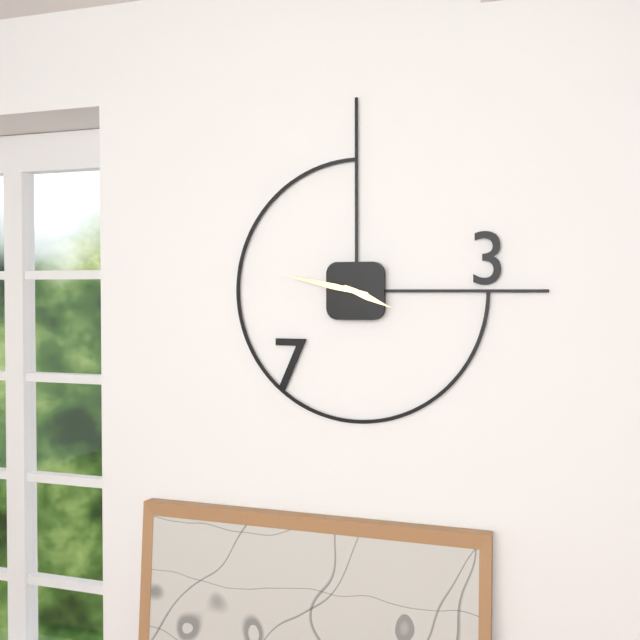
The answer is 3 h 47 min
